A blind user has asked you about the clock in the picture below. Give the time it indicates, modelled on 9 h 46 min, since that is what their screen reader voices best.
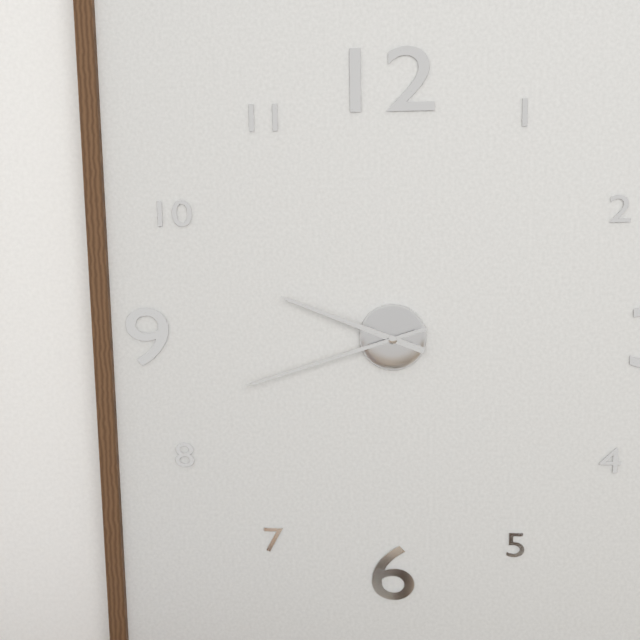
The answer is 9 h 42 min
